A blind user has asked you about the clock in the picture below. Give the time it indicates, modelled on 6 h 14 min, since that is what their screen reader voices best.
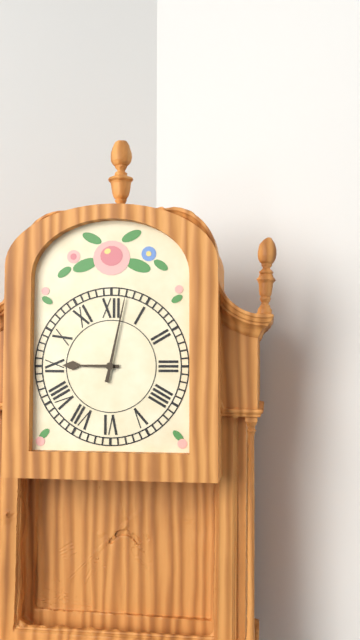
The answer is 9 h 02 min
